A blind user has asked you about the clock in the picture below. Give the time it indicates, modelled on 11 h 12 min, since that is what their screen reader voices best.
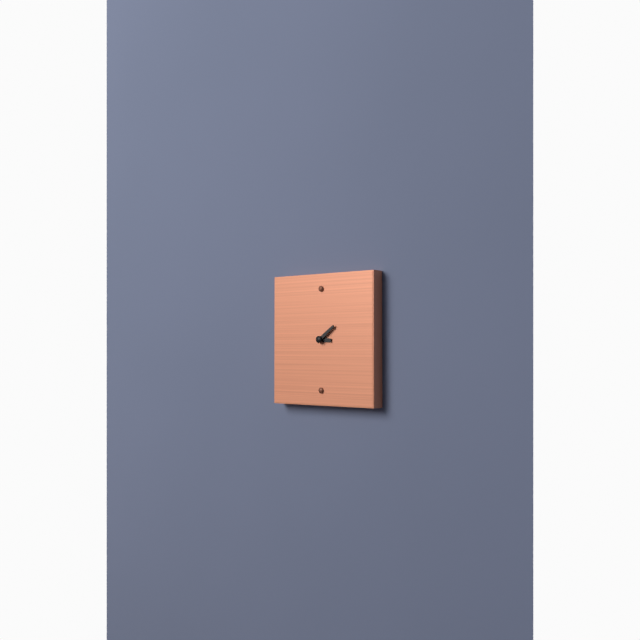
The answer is 3 h 09 min
